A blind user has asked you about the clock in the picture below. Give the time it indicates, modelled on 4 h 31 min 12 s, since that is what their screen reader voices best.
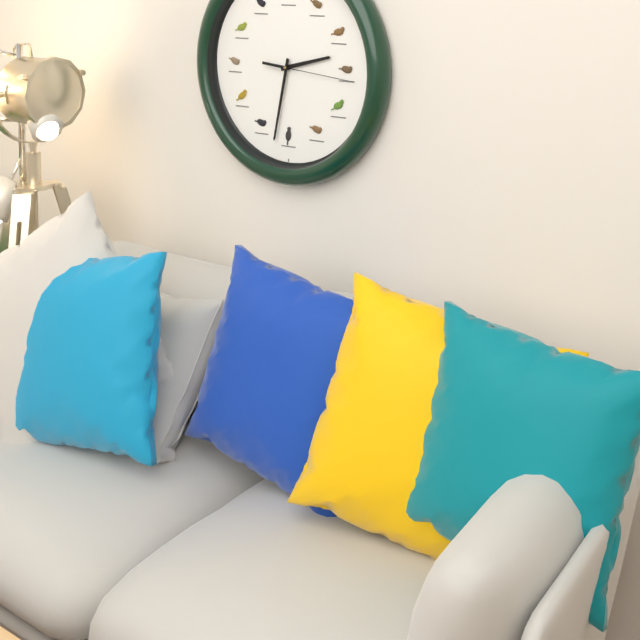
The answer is 2 h 32 min 16 s
